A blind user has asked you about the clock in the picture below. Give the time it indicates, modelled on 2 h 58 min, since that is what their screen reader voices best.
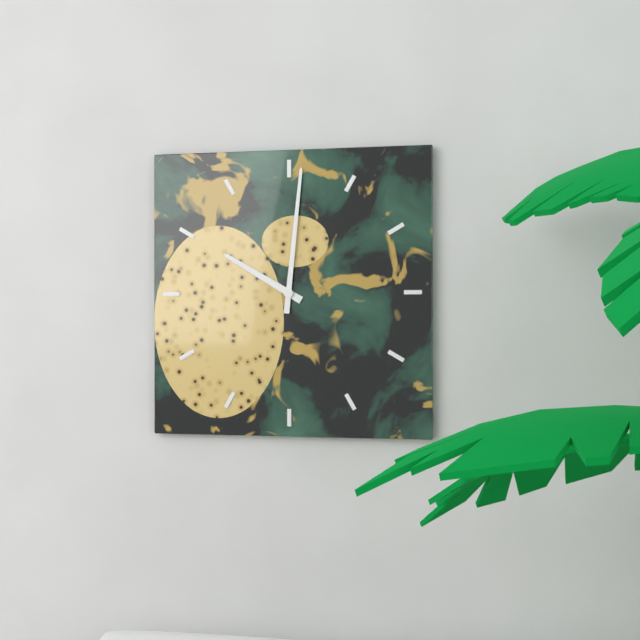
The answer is 10 h 01 min
